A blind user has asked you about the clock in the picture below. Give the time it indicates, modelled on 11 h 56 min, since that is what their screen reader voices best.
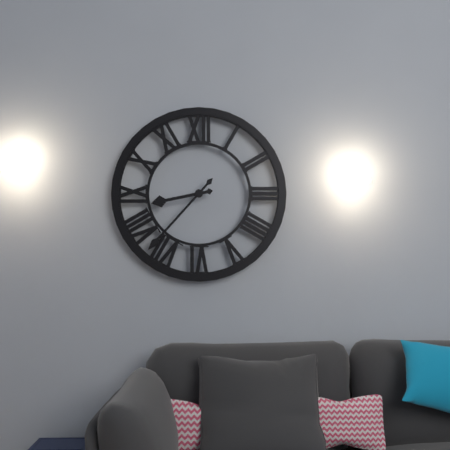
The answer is 8 h 37 min
